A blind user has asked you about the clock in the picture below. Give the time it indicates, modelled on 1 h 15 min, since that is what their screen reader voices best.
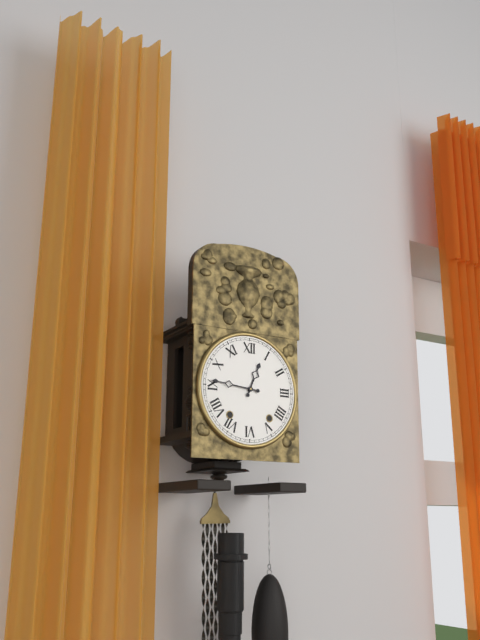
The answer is 12 h 46 min
